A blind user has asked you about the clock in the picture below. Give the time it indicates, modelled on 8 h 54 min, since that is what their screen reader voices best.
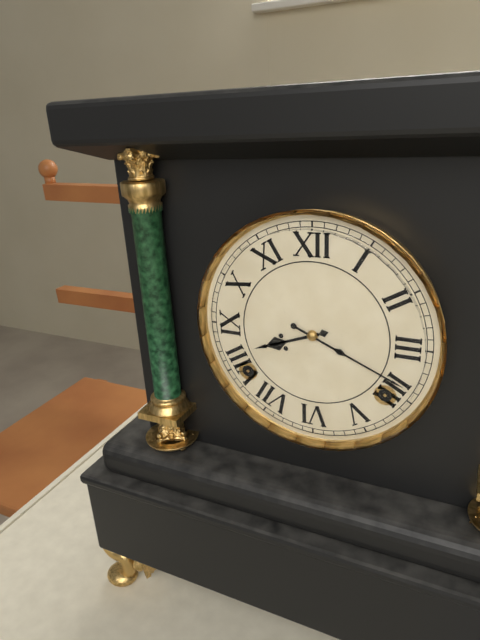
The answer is 8 h 19 min
